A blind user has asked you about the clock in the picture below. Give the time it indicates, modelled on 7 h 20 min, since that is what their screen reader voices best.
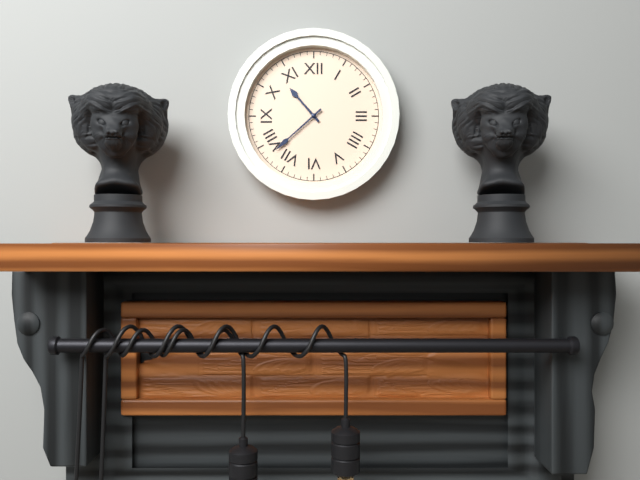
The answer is 10 h 38 min
